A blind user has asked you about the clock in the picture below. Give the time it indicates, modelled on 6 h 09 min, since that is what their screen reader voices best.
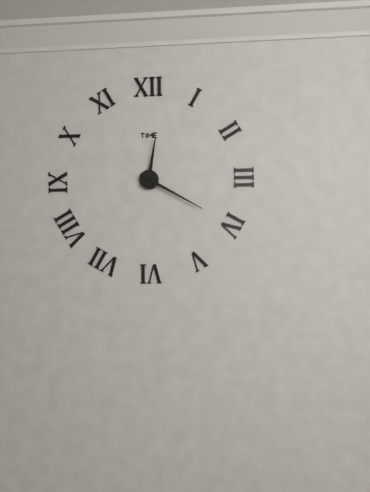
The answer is 12 h 20 min
